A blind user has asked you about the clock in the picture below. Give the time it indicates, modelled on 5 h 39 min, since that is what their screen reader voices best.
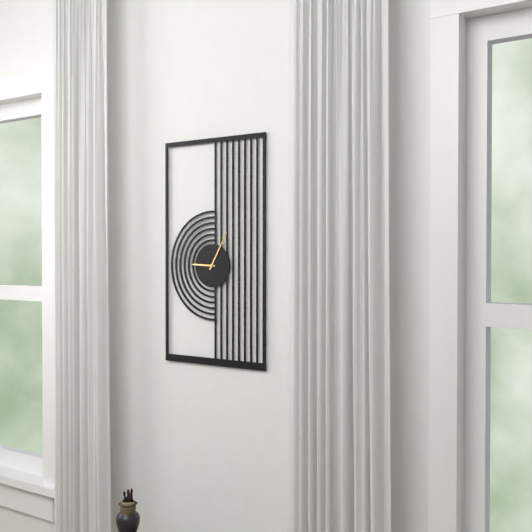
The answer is 9 h 05 min
